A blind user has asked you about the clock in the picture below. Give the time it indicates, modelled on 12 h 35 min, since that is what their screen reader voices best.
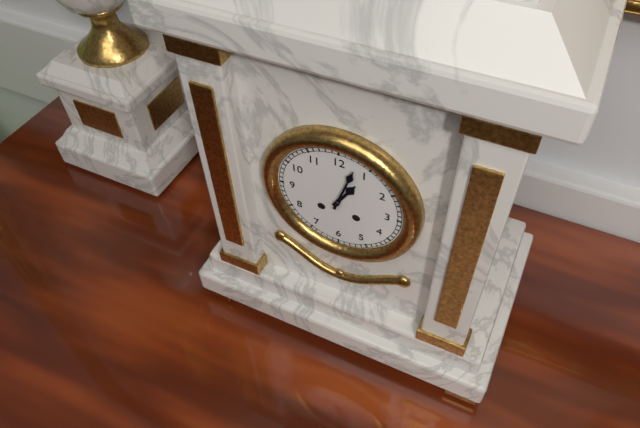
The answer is 1 h 03 min
